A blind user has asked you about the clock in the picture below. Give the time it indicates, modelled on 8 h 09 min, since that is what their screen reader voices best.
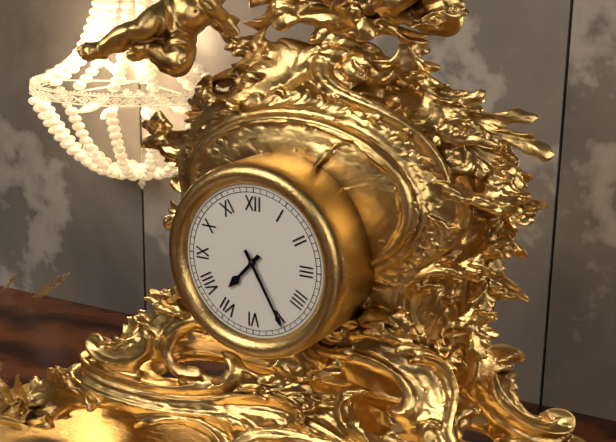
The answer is 7 h 25 min
